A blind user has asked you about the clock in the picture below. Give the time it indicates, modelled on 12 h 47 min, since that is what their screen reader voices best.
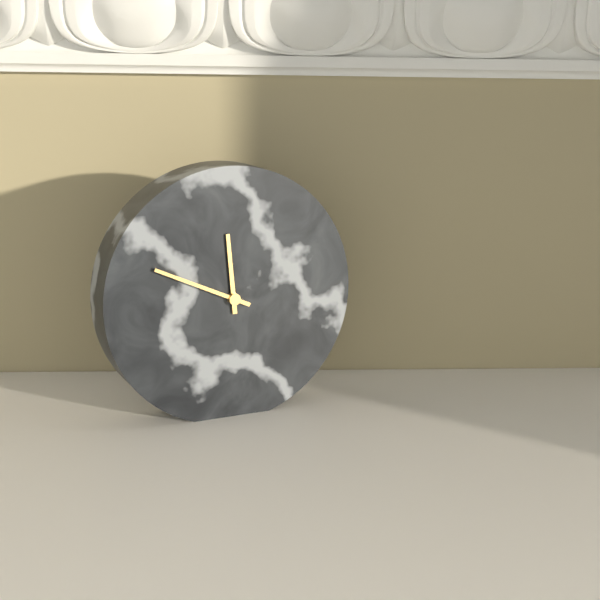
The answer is 11 h 49 min
